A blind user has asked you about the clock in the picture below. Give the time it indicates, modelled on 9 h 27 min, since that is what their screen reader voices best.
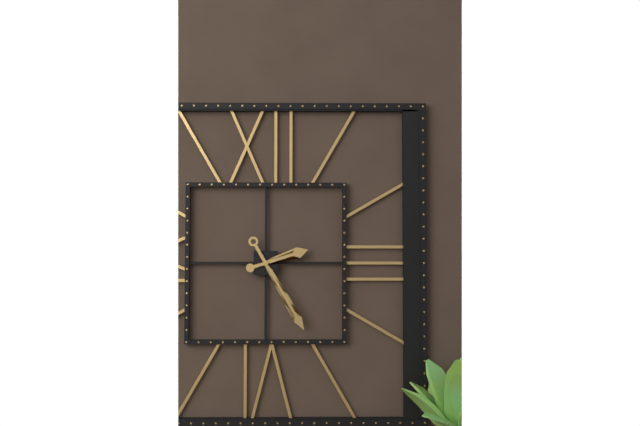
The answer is 2 h 25 min
